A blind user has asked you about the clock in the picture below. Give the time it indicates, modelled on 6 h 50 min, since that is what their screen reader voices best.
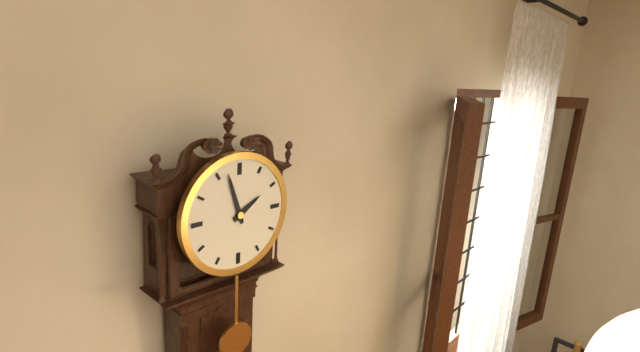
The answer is 1 h 57 min
